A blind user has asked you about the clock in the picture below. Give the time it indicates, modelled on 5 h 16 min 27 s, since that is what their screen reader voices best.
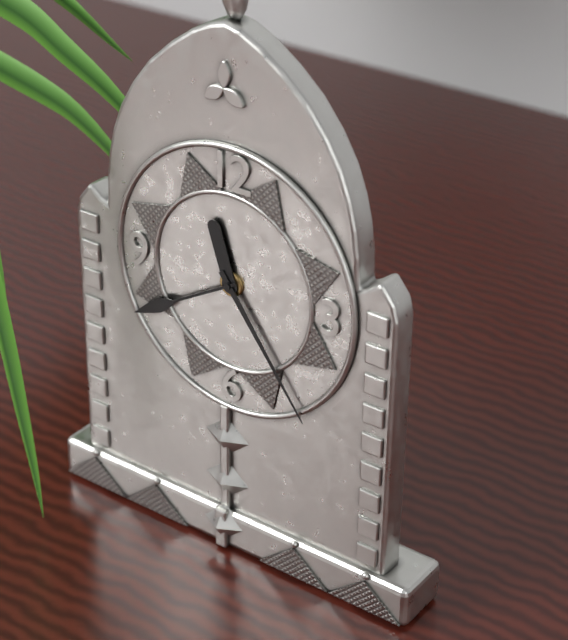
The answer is 11 h 24 min 40 s
